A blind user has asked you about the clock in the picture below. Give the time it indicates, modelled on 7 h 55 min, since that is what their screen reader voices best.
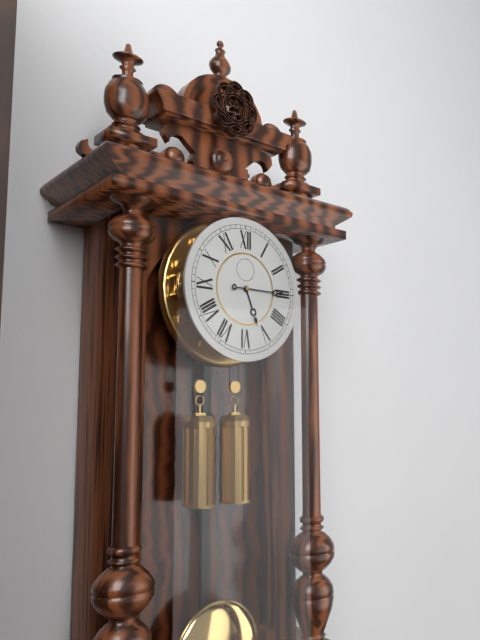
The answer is 5 h 15 min
